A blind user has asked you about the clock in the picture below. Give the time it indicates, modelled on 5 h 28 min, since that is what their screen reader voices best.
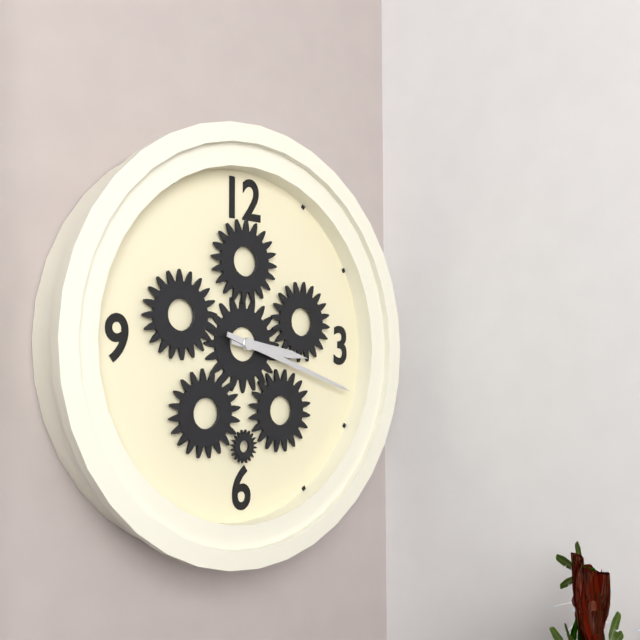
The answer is 3 h 18 min
